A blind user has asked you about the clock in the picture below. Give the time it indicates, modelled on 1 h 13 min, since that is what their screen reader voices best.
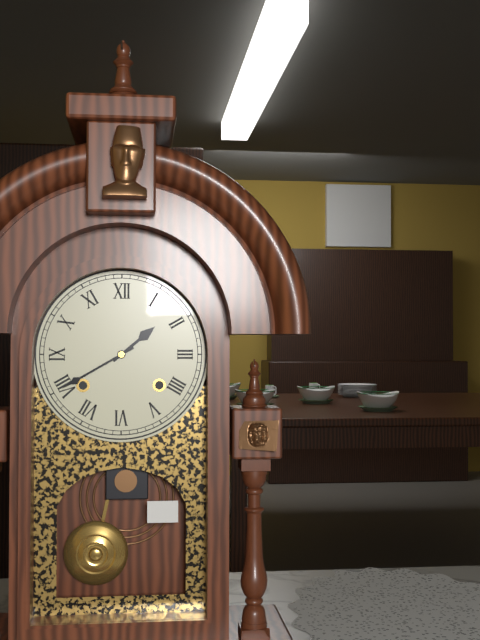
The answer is 1 h 40 min
